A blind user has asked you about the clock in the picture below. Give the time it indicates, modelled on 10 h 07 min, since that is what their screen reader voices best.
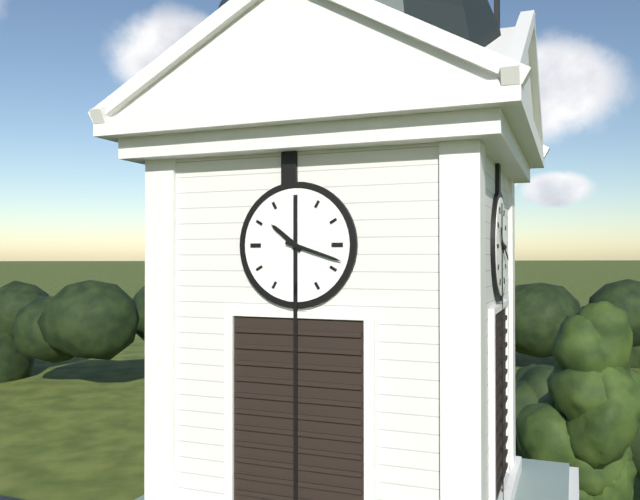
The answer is 10 h 18 min
